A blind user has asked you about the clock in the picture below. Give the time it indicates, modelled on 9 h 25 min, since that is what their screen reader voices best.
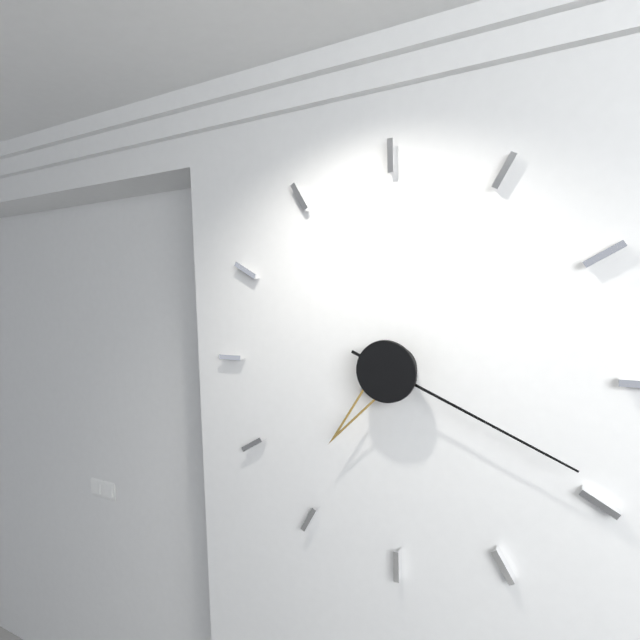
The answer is 7 h 19 min
